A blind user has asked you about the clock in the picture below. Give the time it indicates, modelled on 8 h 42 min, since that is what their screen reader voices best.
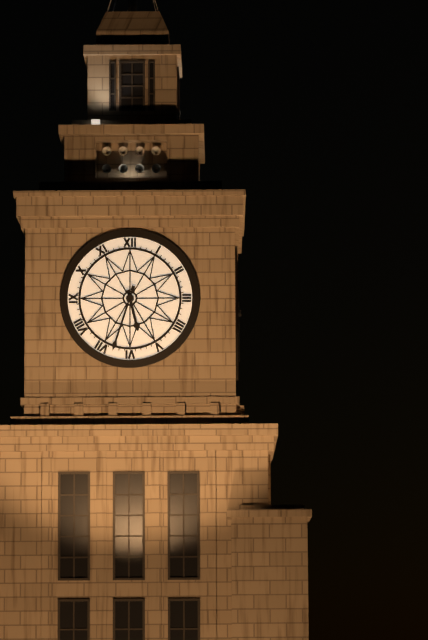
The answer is 5 h 33 min
